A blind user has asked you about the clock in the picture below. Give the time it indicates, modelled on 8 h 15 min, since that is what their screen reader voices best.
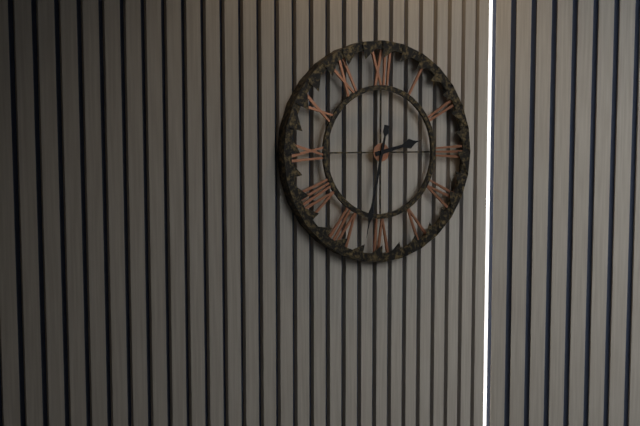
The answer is 2 h 32 min
